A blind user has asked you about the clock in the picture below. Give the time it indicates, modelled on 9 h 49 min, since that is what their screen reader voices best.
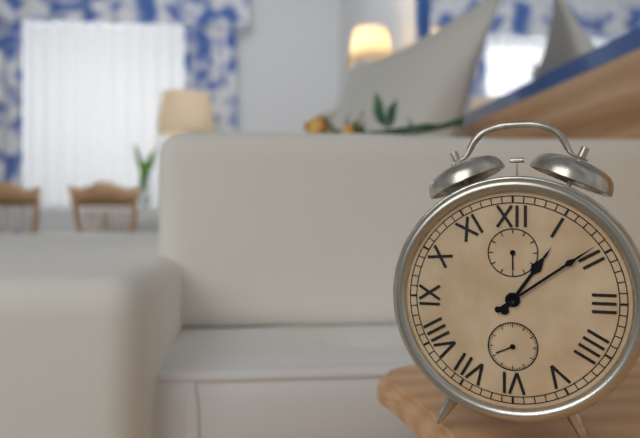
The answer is 1 h 09 min
